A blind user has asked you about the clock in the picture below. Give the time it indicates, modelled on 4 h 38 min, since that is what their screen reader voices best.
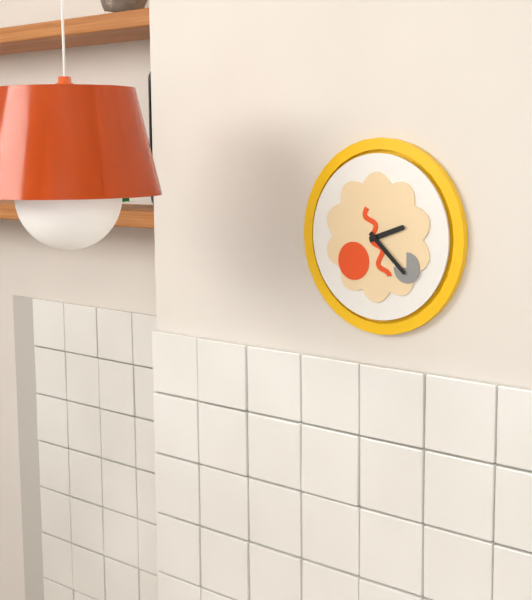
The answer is 2 h 22 min
